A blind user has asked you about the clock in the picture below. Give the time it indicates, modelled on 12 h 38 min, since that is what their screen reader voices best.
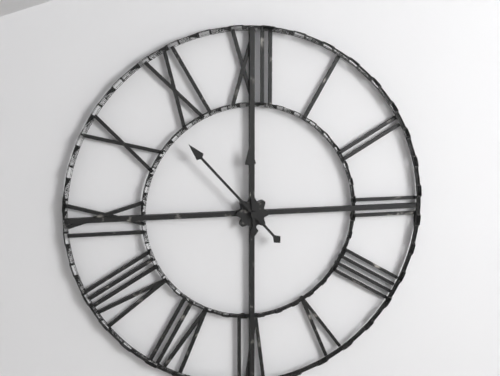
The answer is 11 h 53 min
